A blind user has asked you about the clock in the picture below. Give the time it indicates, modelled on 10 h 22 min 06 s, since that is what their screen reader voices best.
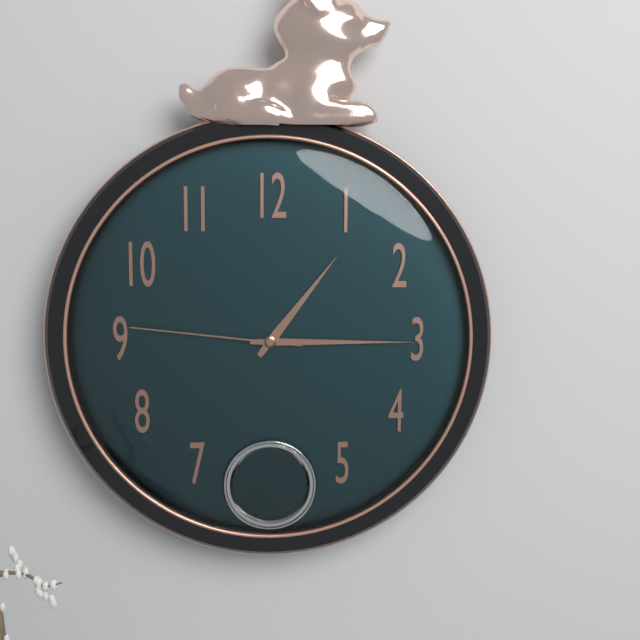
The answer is 1 h 15 min 46 s
